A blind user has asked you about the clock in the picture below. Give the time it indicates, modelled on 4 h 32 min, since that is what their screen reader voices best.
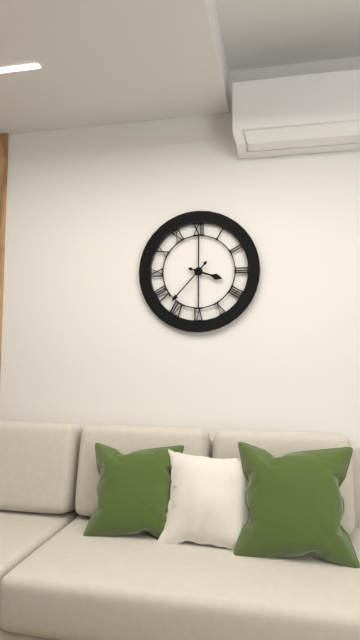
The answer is 3 h 37 min
